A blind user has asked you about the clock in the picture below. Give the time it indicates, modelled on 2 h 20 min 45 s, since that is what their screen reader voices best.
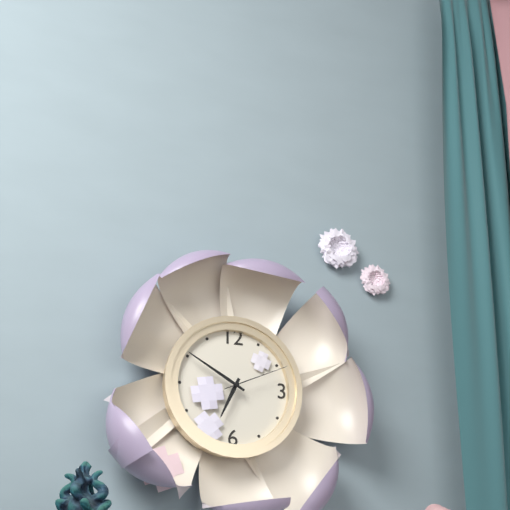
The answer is 6 h 50 min 11 s
